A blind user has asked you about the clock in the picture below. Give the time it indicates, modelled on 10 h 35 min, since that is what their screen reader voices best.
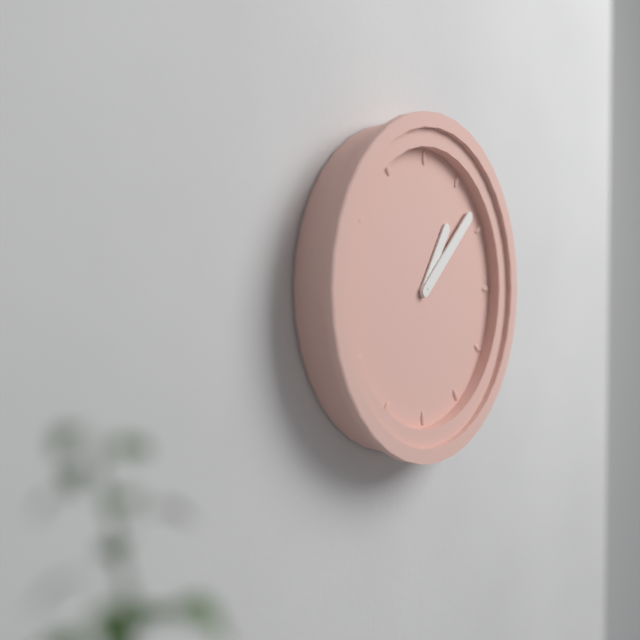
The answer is 1 h 08 min
